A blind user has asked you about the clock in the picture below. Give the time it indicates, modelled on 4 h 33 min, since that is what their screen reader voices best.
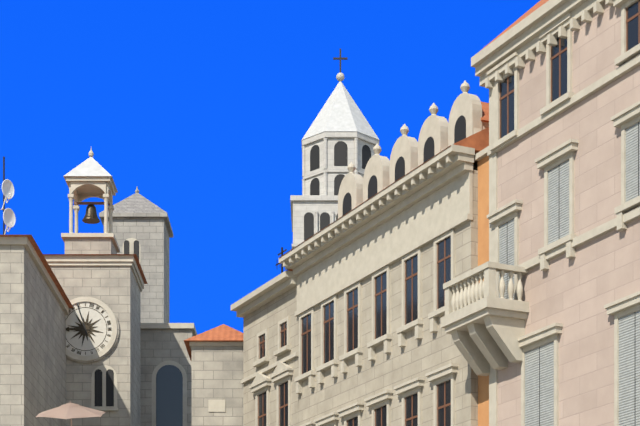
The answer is 8 h 57 min
